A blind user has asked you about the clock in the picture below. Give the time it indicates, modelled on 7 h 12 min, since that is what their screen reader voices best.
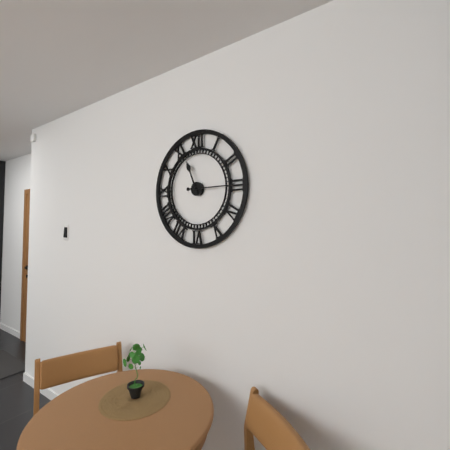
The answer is 11 h 15 min
